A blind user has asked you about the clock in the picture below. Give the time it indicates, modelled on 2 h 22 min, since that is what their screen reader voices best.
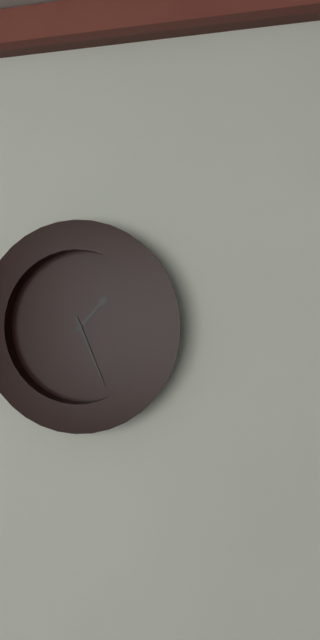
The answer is 1 h 26 min
